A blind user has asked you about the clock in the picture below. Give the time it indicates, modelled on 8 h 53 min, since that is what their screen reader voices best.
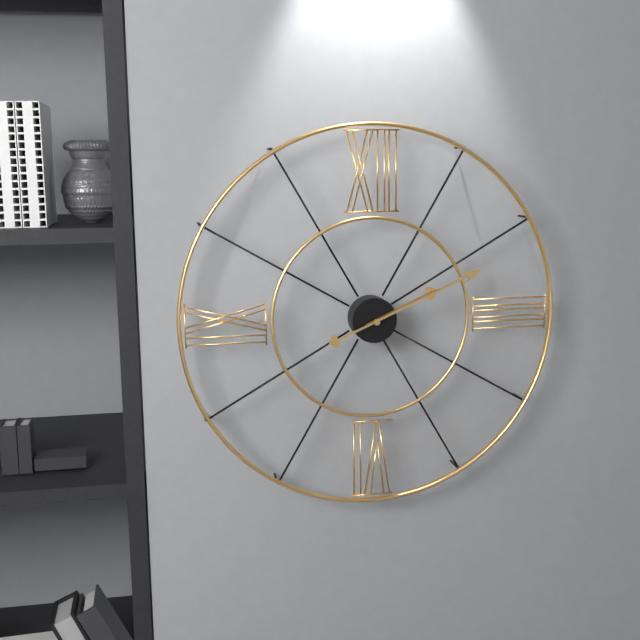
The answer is 2 h 11 min
